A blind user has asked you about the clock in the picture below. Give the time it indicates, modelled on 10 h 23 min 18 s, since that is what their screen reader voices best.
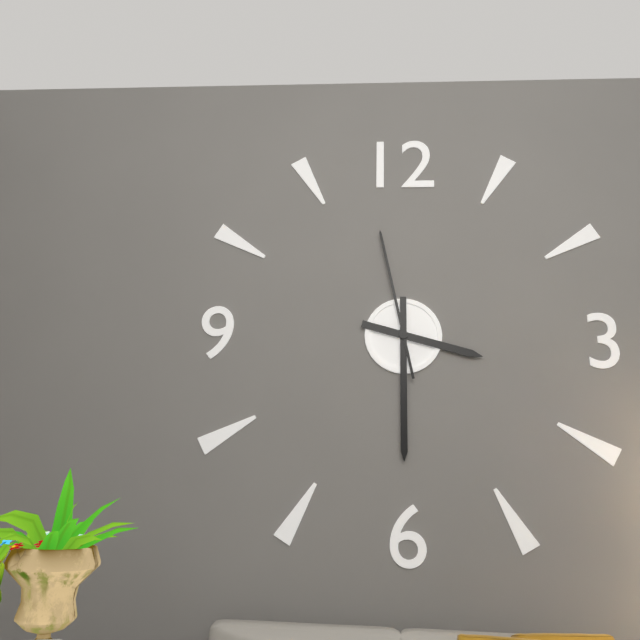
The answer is 3 h 30 min 58 s
